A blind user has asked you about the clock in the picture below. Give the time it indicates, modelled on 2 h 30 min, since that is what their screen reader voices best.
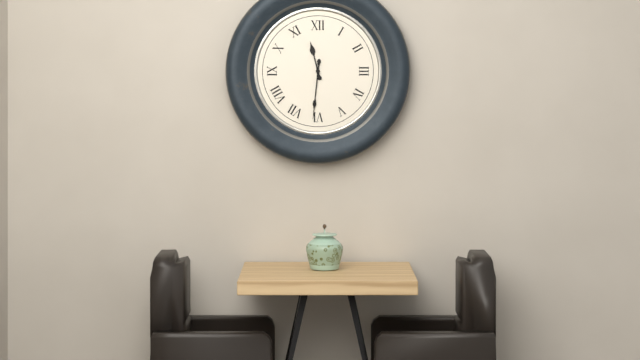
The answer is 11 h 31 min
